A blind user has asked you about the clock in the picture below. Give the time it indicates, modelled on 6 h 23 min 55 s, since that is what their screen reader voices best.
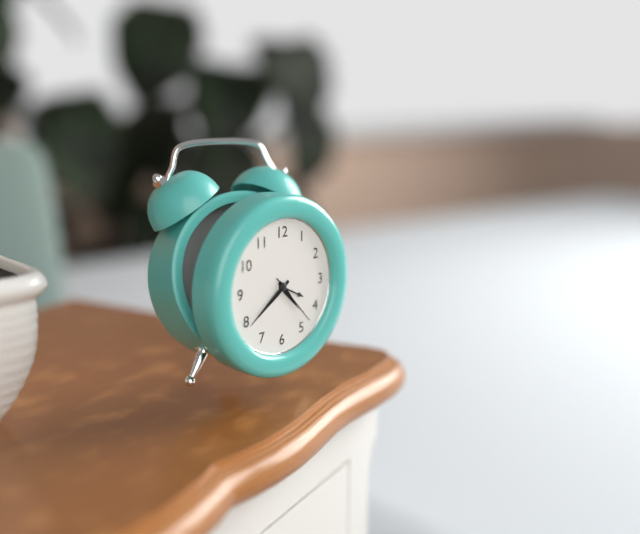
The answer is 4 h 39 min 23 s
